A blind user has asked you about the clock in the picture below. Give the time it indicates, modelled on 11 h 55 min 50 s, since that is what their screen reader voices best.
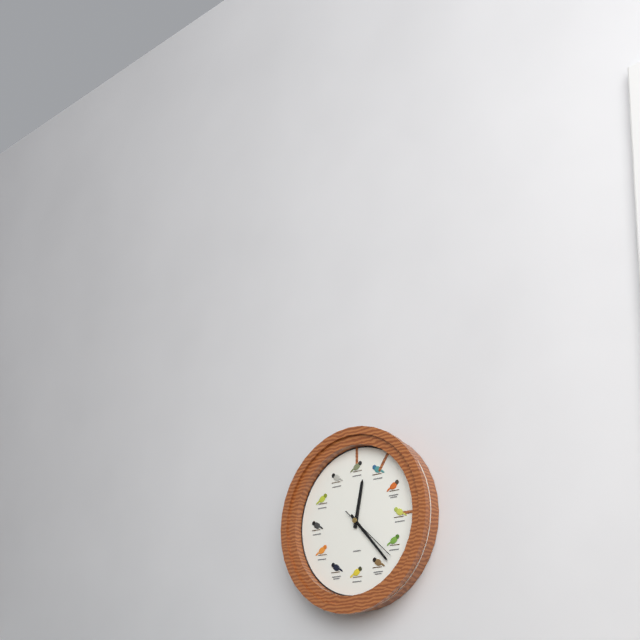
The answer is 12 h 23 min 22 s
